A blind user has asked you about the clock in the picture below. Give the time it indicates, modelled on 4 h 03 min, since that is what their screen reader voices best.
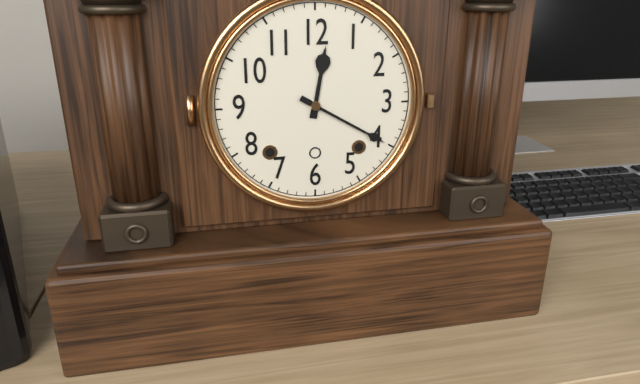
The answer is 12 h 20 min
